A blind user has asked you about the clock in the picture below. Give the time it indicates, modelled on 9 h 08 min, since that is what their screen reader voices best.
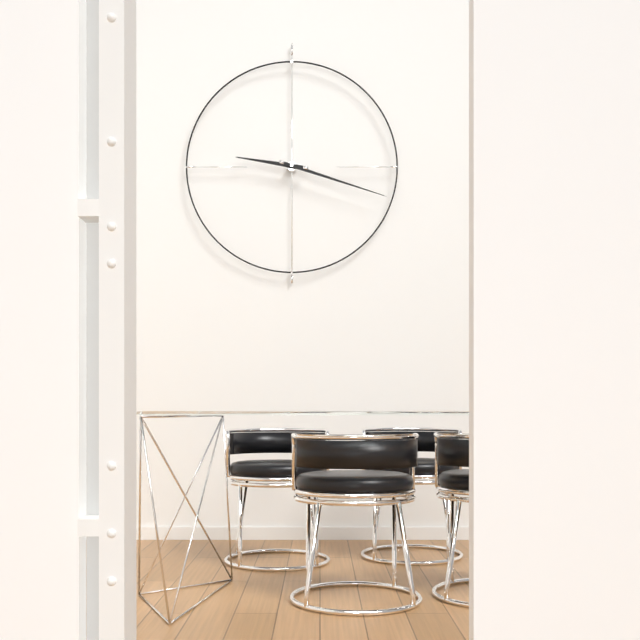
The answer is 9 h 18 min
